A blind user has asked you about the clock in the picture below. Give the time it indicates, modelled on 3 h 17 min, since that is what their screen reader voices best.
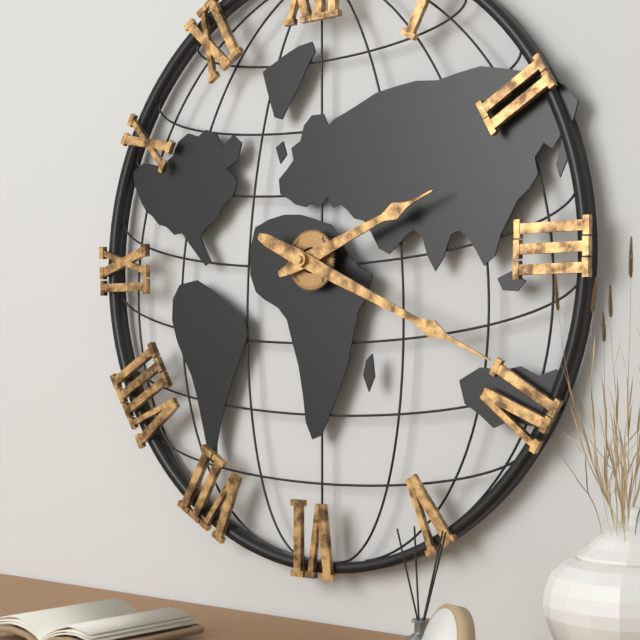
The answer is 2 h 19 min
